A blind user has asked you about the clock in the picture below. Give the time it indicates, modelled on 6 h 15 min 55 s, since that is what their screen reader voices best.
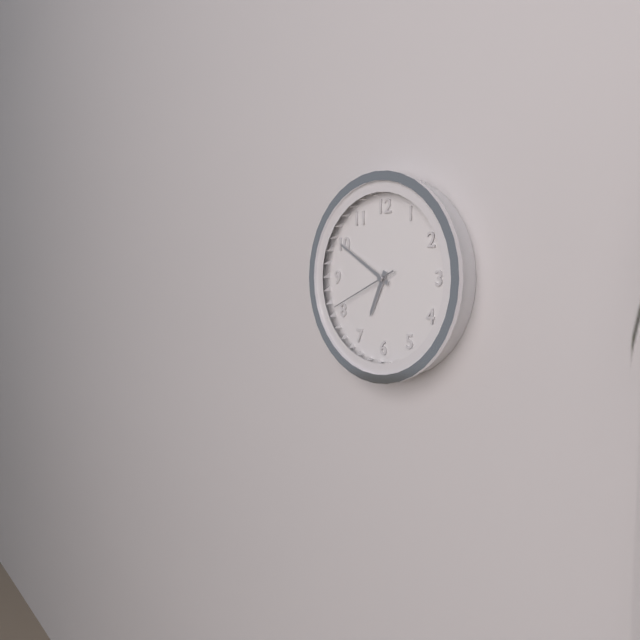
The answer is 6 h 50 min 41 s
